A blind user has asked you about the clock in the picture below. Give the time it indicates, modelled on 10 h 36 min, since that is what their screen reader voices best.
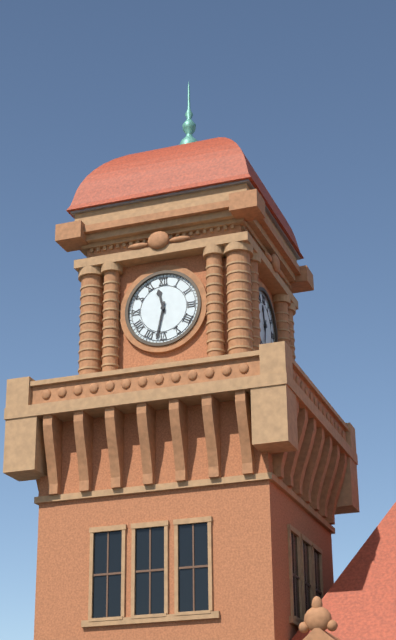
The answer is 11 h 32 min
